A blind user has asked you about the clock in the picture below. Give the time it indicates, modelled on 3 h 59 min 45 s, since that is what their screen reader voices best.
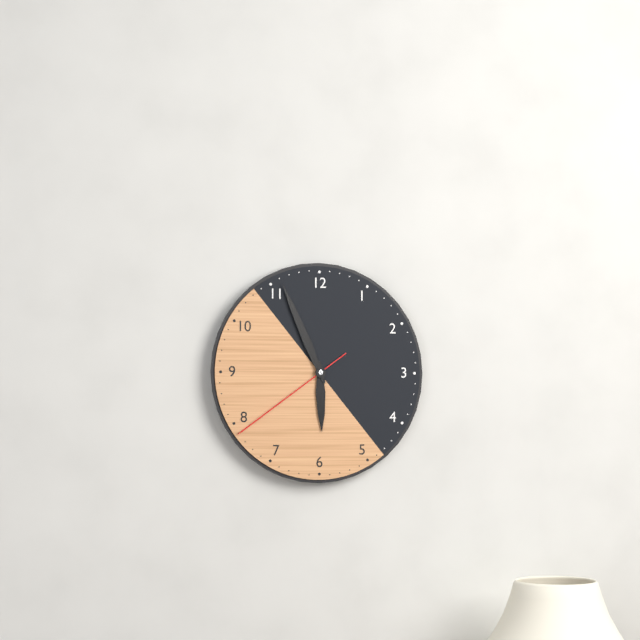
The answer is 5 h 56 min 39 s
